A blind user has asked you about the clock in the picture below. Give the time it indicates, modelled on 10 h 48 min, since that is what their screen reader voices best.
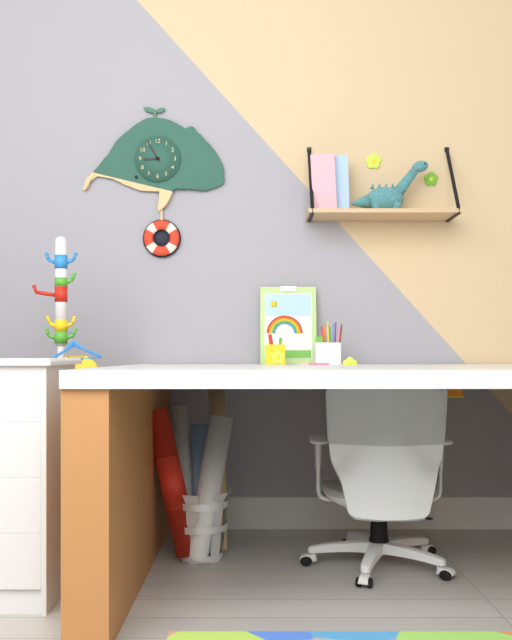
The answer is 8 h 55 min
